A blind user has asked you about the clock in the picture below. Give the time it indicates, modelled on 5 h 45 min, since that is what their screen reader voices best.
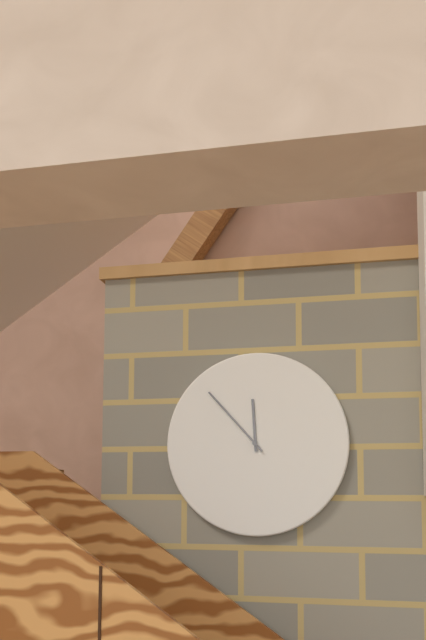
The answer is 11 h 53 min
